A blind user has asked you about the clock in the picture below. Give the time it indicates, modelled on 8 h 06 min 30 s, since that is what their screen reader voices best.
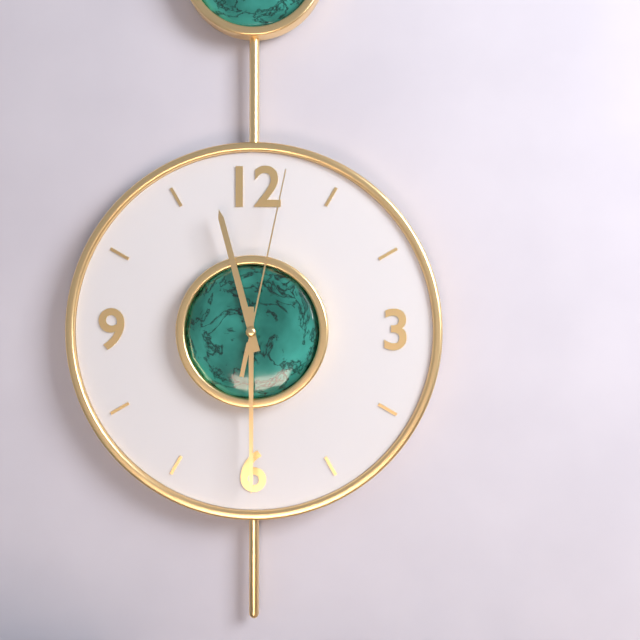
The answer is 11 h 30 min 02 s
